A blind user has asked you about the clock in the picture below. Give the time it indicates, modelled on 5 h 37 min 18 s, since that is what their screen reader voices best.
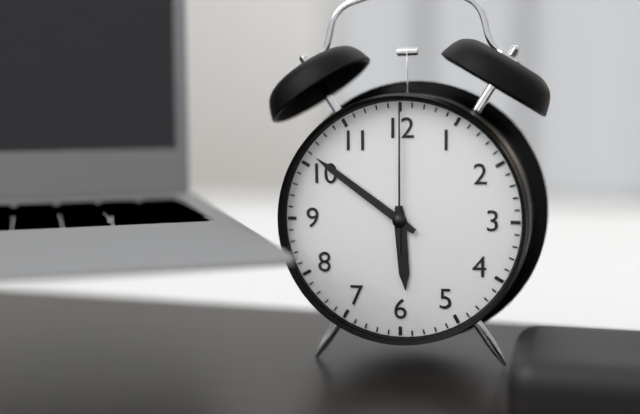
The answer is 5 h 51 min 00 s
